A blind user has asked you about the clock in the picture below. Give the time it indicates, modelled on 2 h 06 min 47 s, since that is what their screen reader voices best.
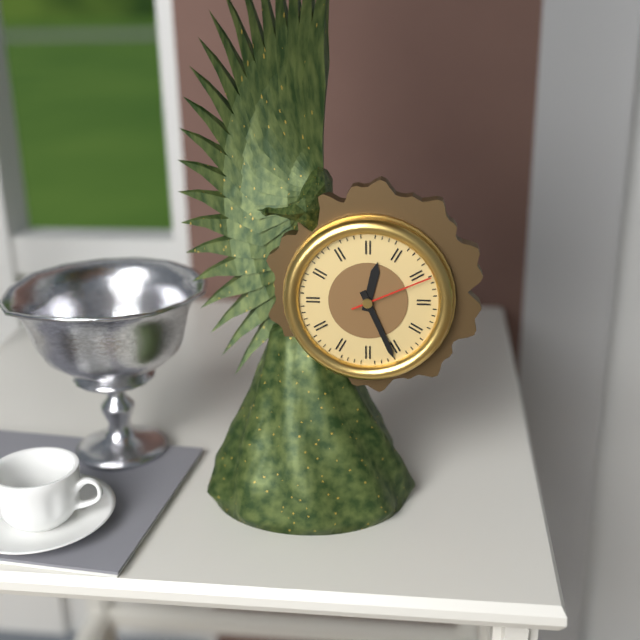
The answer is 12 h 26 min 11 s
